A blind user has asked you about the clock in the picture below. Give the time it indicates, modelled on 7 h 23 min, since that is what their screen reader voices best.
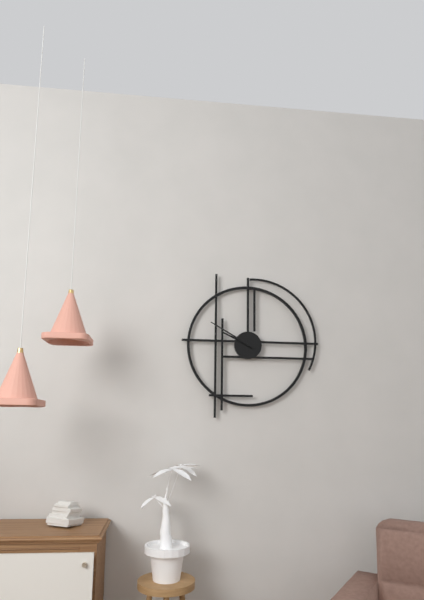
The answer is 9 h 50 min
